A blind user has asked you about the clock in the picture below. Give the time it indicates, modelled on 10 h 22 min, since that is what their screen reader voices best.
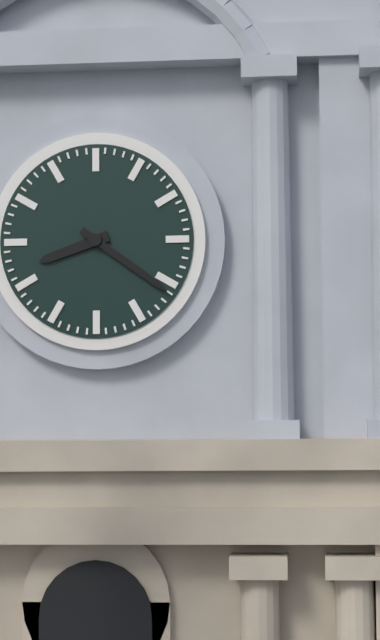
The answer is 8 h 21 min
